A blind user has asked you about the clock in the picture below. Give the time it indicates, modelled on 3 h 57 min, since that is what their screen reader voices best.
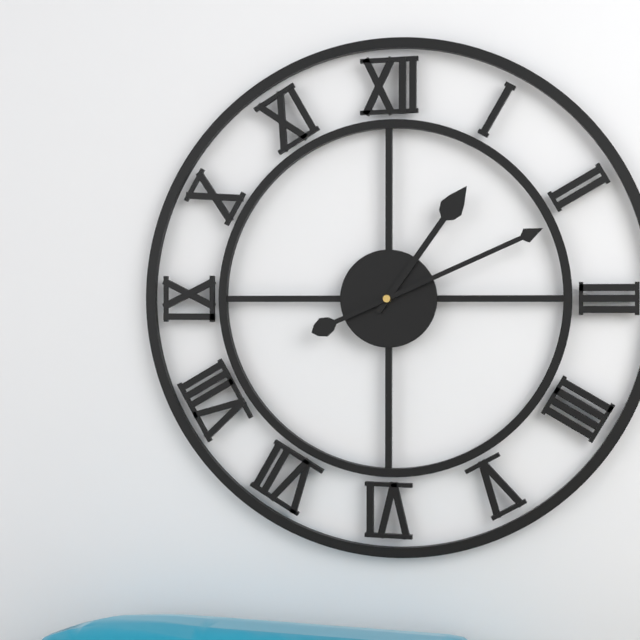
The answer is 1 h 11 min
